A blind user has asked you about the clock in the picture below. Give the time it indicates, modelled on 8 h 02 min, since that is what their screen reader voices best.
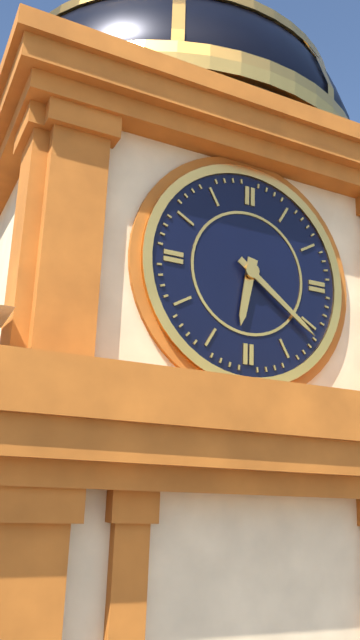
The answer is 6 h 21 min
